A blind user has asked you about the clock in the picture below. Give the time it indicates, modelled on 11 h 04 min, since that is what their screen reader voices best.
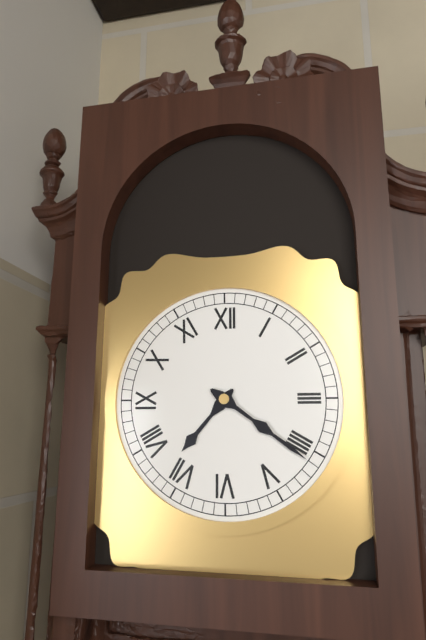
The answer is 7 h 21 min
